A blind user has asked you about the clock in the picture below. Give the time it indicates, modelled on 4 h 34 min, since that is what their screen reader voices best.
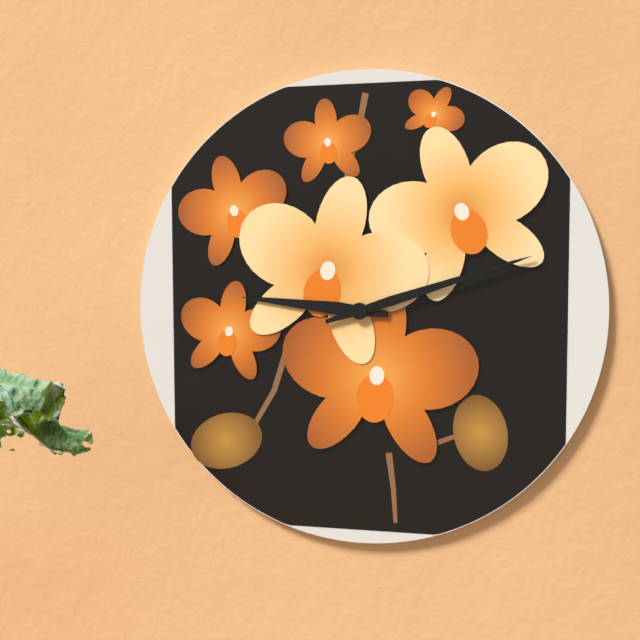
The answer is 9 h 12 min
